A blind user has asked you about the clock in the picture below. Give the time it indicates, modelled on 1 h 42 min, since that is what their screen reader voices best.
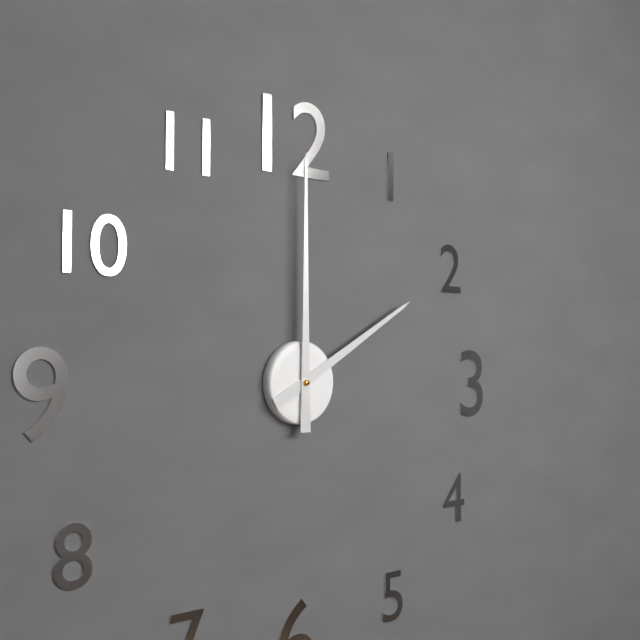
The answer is 2 h 00 min
